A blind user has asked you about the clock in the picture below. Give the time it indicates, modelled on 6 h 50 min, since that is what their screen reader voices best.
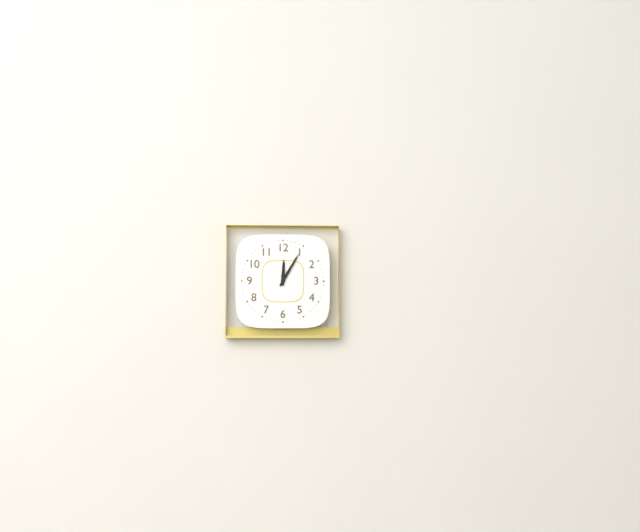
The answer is 12 h 05 min
